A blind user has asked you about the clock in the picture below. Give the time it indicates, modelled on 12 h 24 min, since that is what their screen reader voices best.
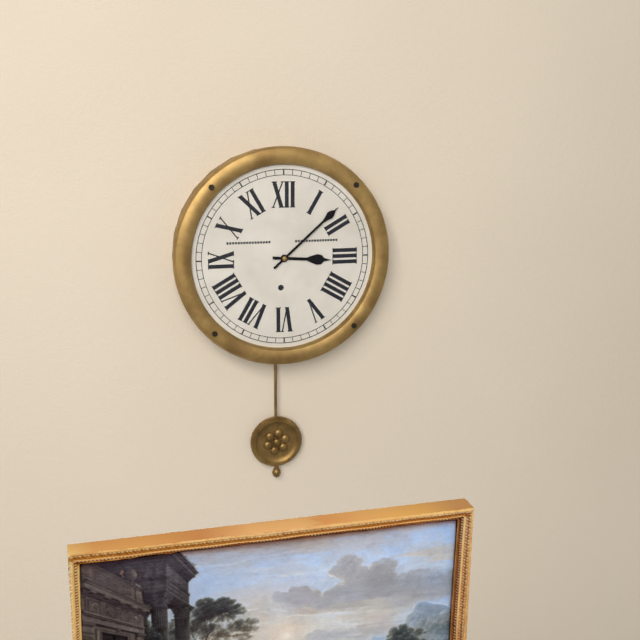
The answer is 3 h 08 min
